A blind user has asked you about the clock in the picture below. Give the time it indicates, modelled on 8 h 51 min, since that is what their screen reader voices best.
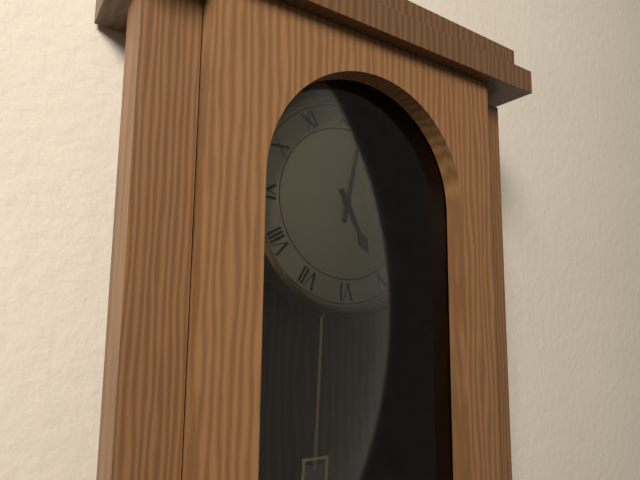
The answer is 5 h 02 min
